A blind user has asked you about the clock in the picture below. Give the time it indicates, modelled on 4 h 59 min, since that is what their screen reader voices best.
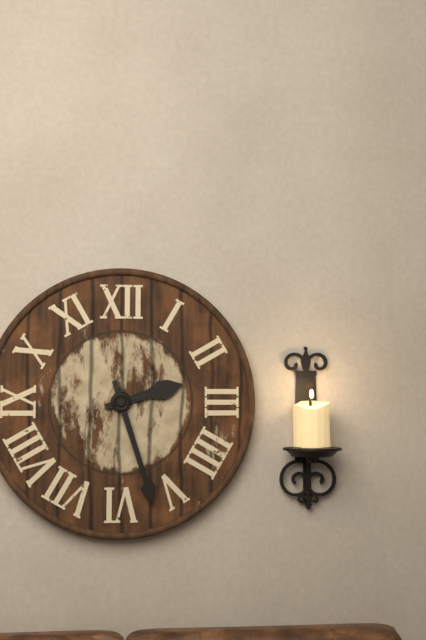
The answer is 2 h 27 min
